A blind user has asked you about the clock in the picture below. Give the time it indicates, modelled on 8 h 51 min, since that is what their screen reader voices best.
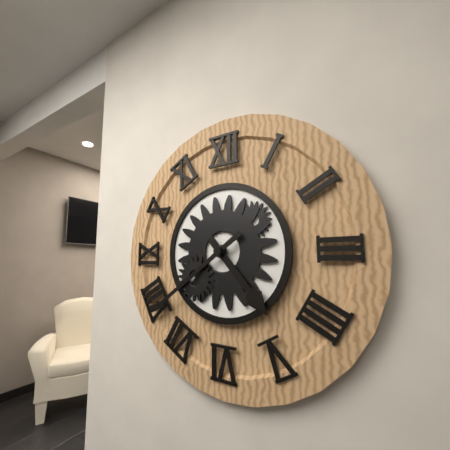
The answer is 4 h 39 min
